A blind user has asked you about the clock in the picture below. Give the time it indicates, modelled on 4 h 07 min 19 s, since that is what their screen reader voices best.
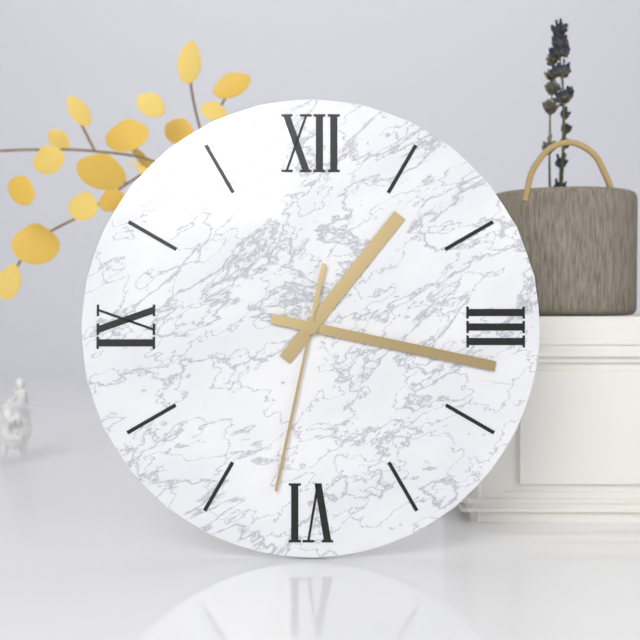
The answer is 1 h 17 min 32 s
